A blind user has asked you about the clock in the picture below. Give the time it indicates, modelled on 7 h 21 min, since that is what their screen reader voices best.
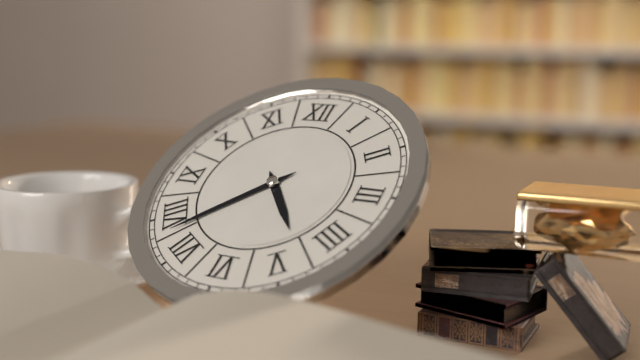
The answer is 4 h 38 min
